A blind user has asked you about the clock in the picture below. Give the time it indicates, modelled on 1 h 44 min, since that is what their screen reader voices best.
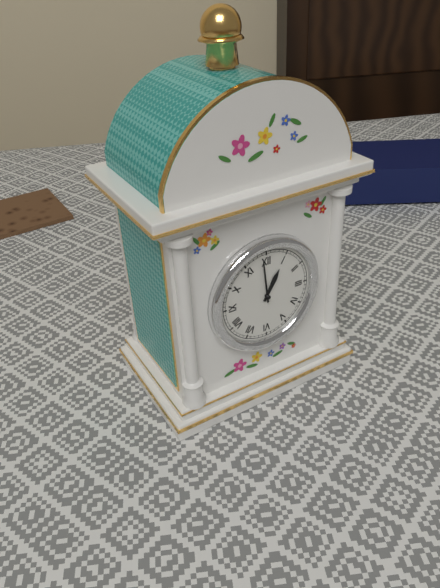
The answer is 12 h 59 min
